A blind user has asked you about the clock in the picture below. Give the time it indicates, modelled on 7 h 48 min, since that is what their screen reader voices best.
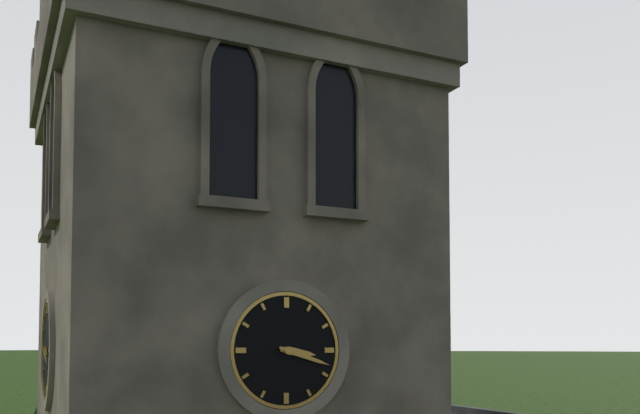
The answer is 3 h 18 min
